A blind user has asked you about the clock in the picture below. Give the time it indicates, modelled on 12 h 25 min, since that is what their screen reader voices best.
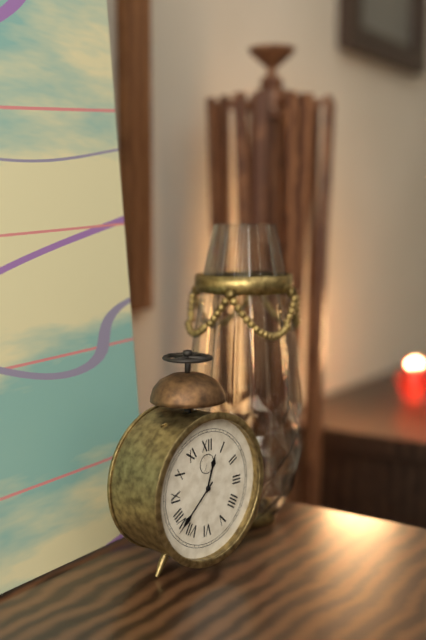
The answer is 12 h 38 min
